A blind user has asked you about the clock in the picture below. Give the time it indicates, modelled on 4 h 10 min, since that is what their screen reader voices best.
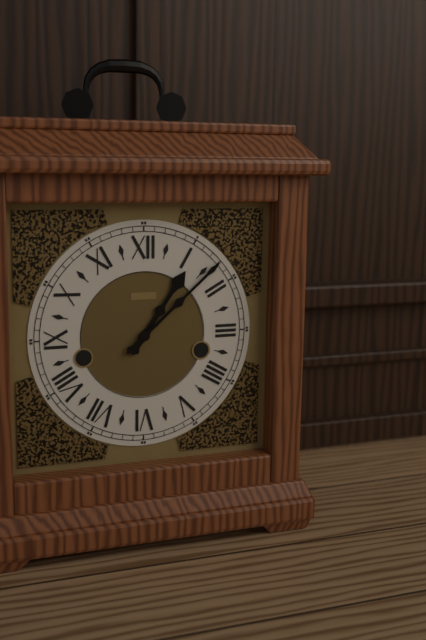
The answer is 1 h 08 min
